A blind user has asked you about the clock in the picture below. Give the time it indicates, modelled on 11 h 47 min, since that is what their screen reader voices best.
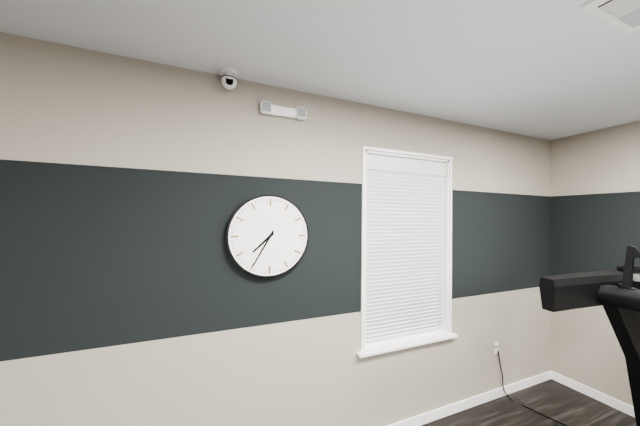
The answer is 7 h 35 min
